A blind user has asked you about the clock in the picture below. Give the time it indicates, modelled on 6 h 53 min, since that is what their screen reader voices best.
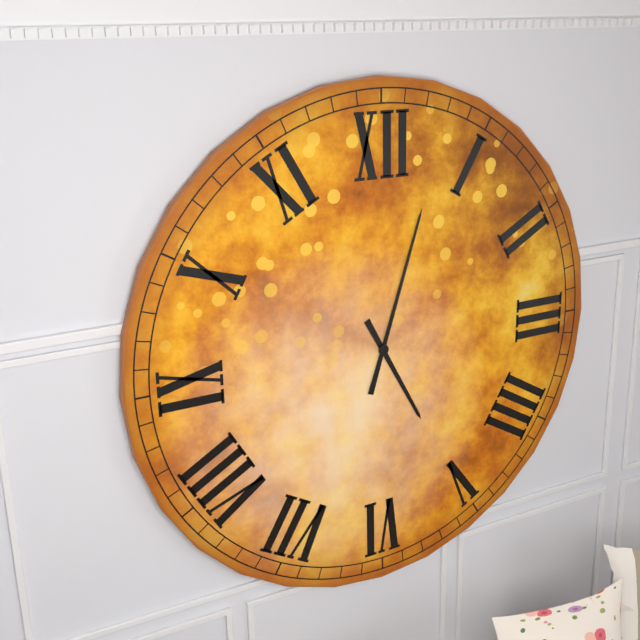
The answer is 5 h 03 min
